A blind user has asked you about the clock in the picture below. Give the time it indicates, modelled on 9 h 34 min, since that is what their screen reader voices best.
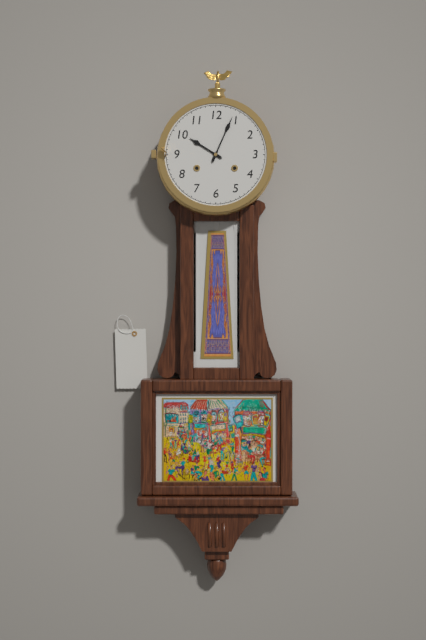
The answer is 10 h 04 min
